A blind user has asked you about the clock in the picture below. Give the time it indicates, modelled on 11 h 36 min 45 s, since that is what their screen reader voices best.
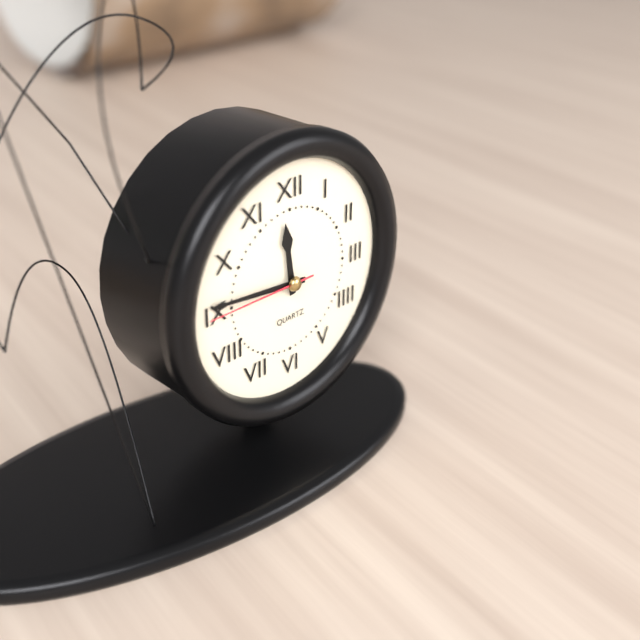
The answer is 11 h 46 min 45 s
